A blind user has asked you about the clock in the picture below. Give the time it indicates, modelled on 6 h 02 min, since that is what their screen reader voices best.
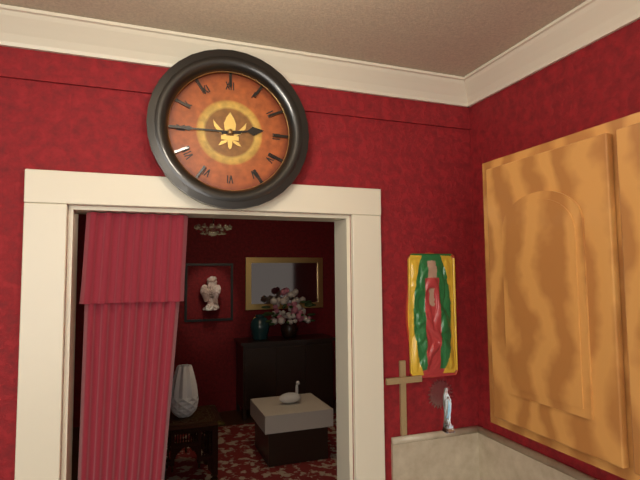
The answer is 2 h 45 min
